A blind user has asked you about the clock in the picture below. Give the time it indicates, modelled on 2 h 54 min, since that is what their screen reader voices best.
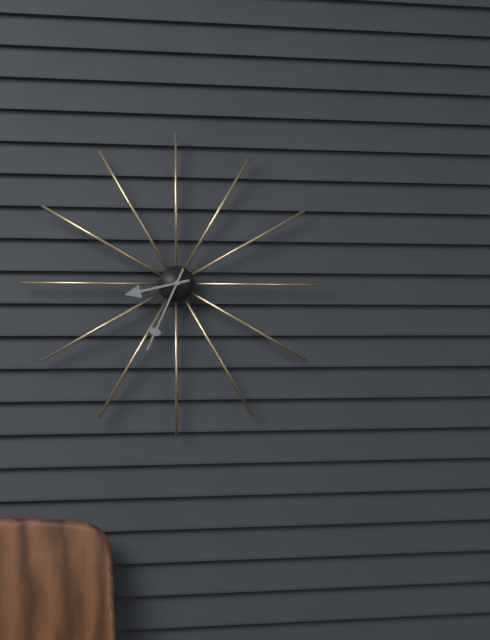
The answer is 8 h 34 min
